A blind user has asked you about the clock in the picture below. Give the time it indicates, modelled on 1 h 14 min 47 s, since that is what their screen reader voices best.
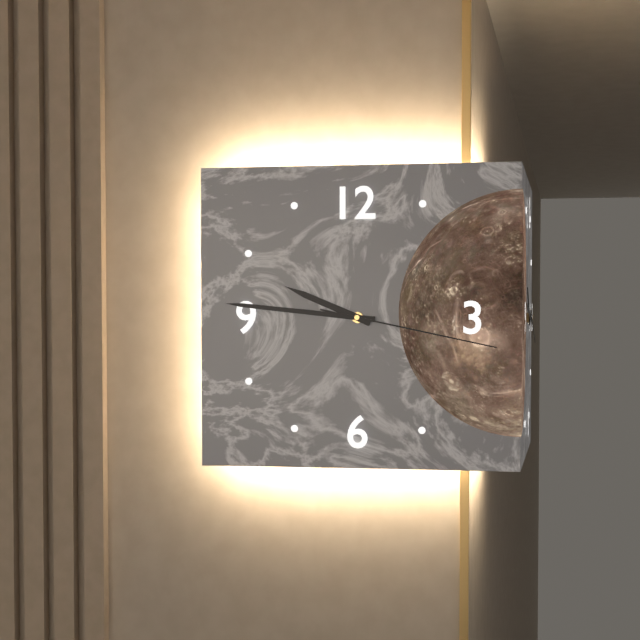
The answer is 9 h 46 min 17 s
